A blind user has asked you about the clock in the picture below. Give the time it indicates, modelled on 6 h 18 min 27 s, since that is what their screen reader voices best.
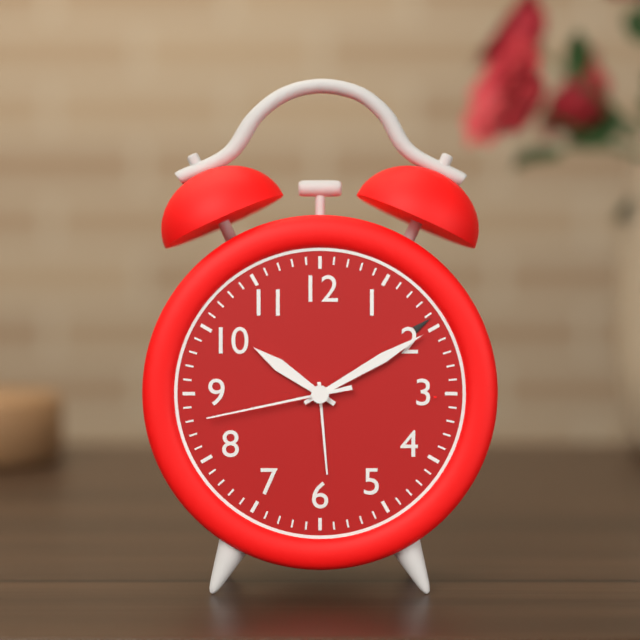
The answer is 10 h 10 min 43 s
